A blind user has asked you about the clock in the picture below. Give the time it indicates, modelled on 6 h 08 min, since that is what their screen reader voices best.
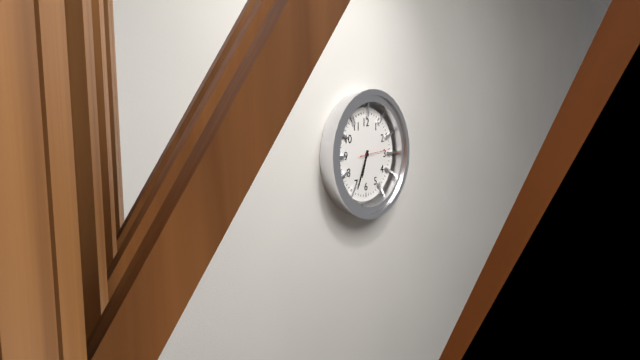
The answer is 6 h 34 min
